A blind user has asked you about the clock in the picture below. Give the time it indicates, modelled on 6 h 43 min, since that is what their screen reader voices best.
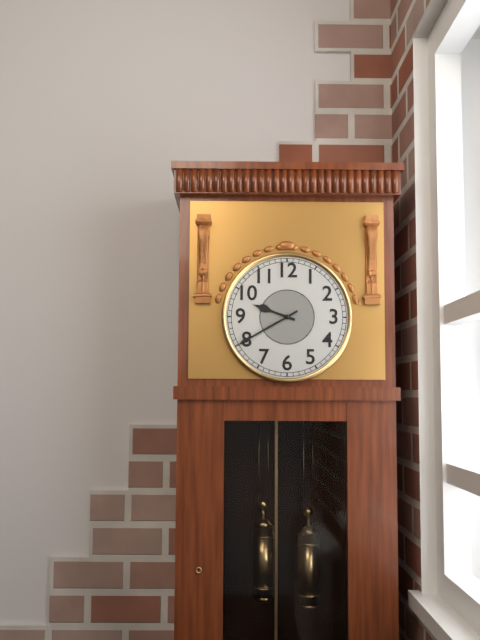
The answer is 9 h 40 min
